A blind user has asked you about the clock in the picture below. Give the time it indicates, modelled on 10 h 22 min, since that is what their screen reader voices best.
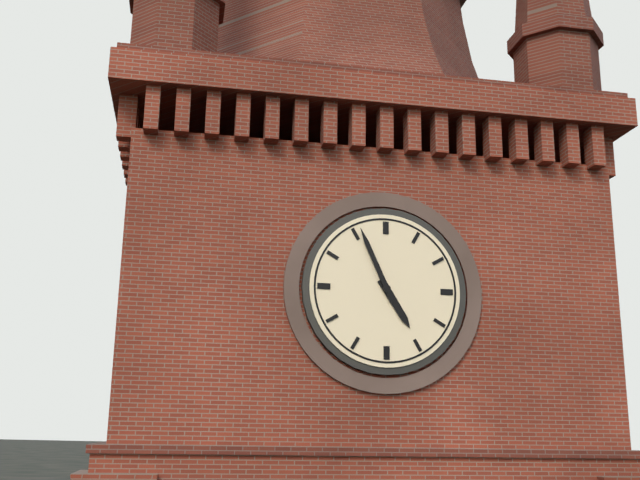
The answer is 4 h 56 min
